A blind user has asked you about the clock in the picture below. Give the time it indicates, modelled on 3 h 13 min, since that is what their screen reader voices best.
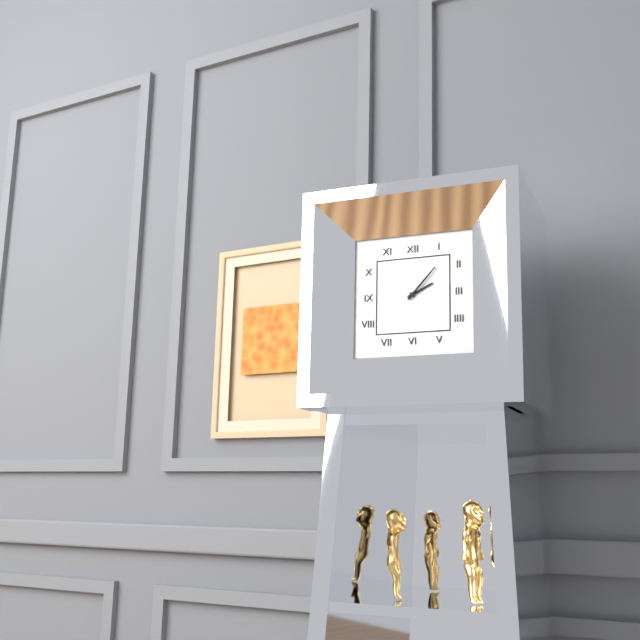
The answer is 2 h 07 min
